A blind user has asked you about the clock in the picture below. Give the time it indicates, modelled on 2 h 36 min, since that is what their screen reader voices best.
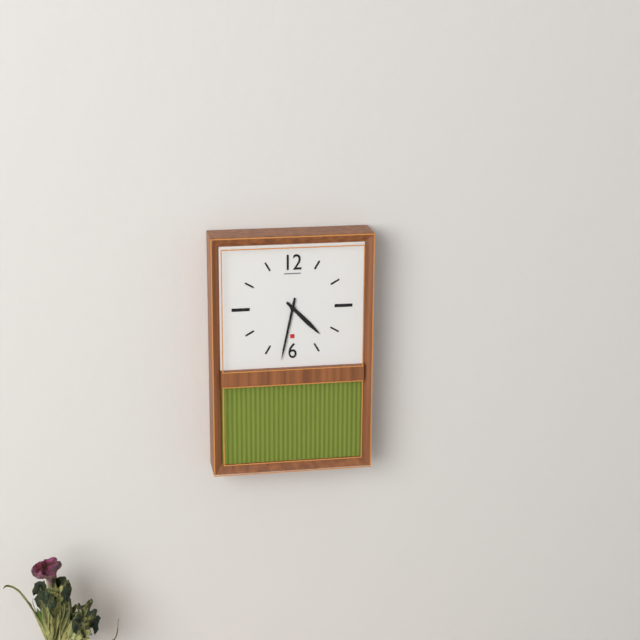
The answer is 4 h 32 min
